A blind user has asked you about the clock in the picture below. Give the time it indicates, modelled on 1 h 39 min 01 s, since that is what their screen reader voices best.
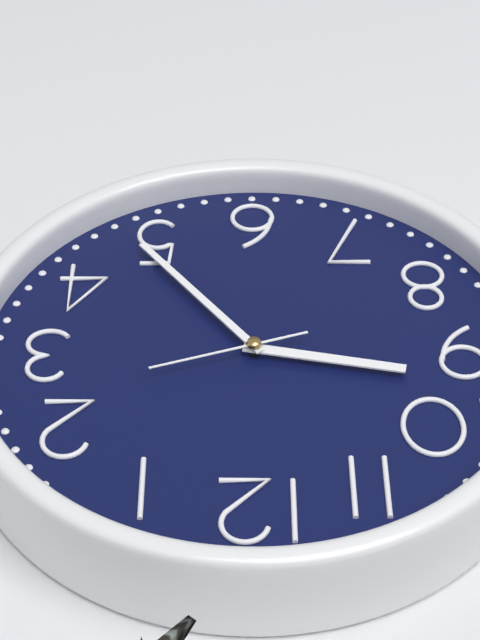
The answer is 9 h 24 min 12 s
